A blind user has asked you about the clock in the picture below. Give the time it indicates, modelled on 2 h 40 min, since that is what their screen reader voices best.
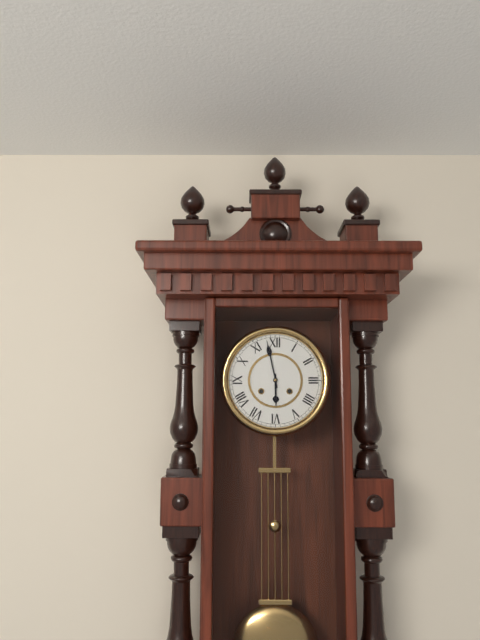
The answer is 5 h 58 min
